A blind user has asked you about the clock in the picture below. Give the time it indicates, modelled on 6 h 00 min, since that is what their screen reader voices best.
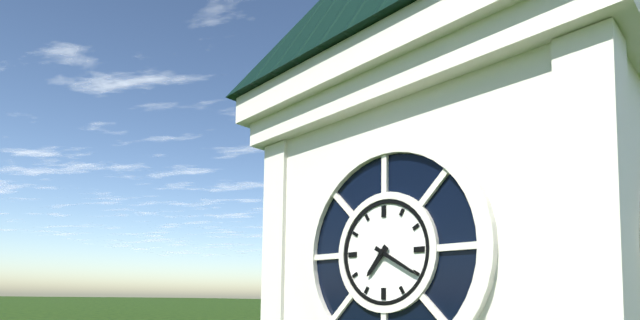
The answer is 7 h 20 min
